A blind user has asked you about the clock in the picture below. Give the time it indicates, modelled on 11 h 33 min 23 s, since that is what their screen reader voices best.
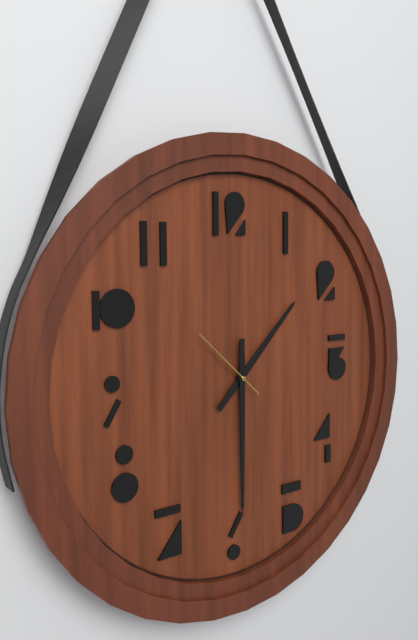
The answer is 1 h 30 min 52 s
